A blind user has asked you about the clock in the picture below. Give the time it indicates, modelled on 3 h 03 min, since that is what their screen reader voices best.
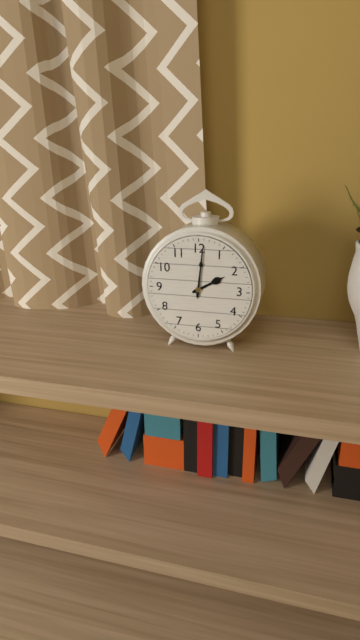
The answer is 2 h 01 min
